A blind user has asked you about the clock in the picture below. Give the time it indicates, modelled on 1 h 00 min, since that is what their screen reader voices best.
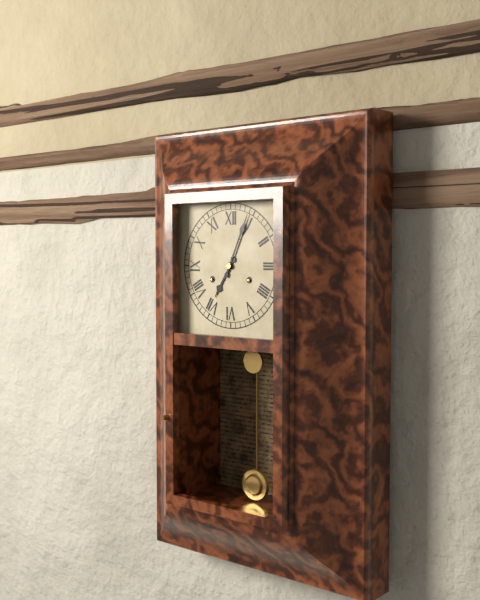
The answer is 7 h 04 min
